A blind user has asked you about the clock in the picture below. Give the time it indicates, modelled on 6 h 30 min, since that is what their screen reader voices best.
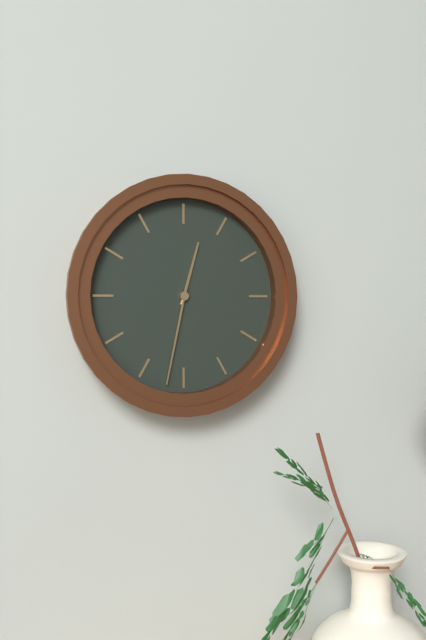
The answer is 12 h 32 min
